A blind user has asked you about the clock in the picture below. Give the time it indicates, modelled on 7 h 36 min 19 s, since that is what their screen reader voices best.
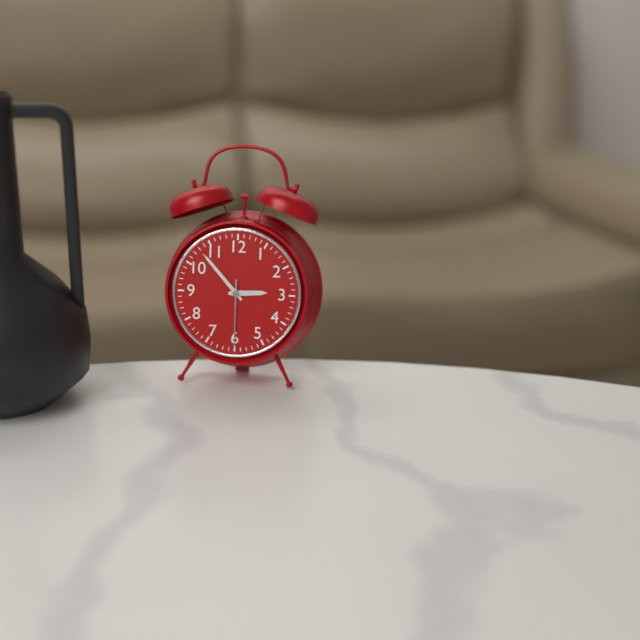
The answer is 2 h 53 min 30 s
